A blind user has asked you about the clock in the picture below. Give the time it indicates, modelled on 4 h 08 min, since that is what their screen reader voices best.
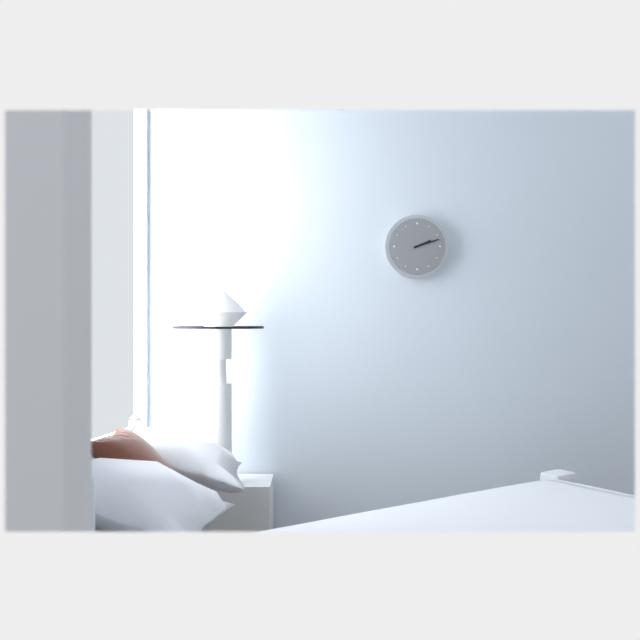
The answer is 2 h 12 min
